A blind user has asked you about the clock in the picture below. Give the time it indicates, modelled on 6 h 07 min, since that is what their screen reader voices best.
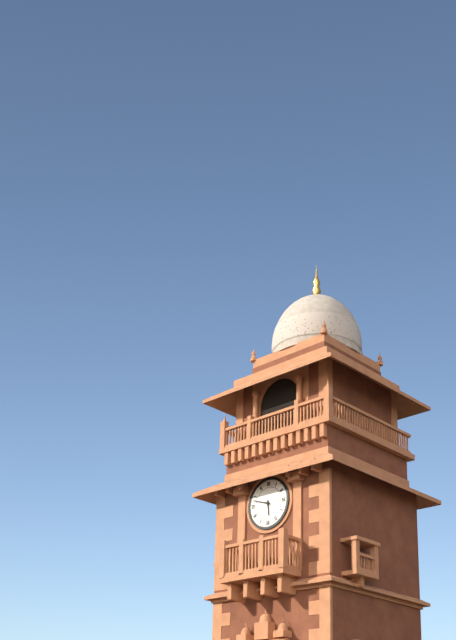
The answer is 5 h 48 min
